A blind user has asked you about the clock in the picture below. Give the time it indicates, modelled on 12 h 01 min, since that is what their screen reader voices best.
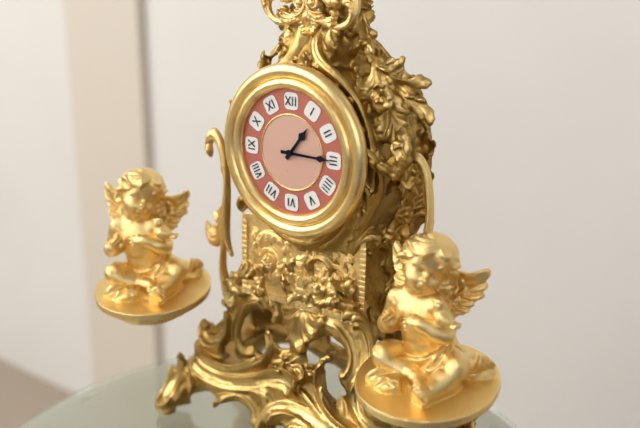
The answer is 1 h 15 min
